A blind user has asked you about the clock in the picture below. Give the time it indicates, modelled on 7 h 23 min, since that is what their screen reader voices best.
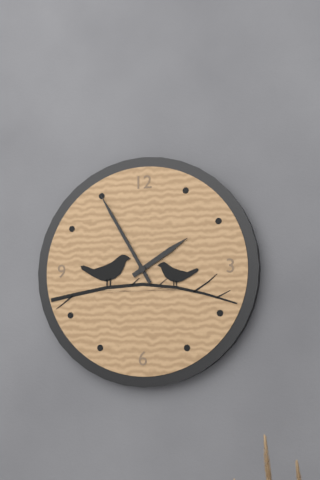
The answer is 1 h 55 min
